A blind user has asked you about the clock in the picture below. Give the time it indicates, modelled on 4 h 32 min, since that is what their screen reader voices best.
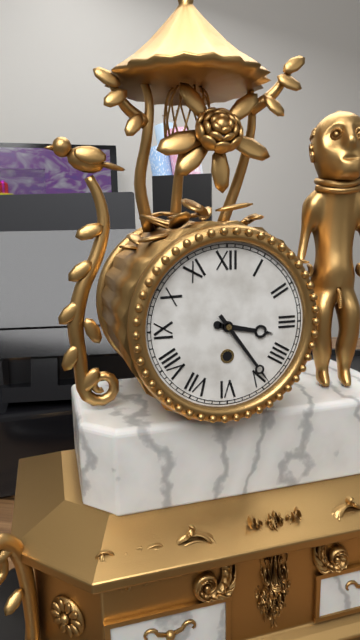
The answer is 3 h 24 min
